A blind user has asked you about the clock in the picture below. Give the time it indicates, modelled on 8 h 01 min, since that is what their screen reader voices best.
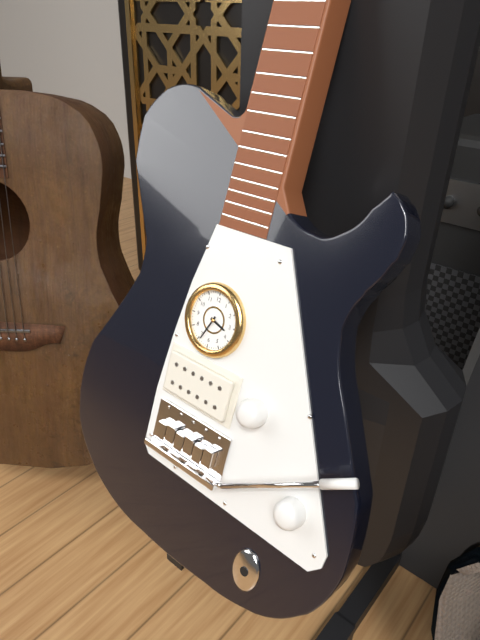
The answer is 3 h 34 min
